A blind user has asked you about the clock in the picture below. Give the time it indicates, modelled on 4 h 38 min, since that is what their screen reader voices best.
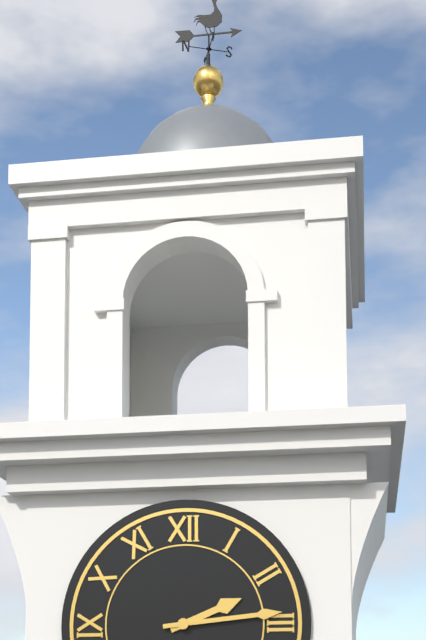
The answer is 2 h 14 min
